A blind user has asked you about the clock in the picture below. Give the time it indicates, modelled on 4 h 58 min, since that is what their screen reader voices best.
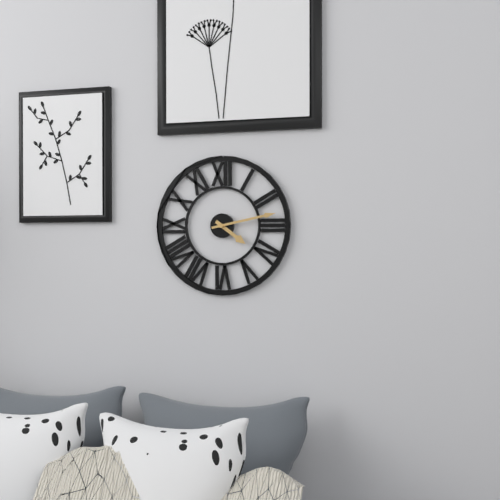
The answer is 4 h 13 min
